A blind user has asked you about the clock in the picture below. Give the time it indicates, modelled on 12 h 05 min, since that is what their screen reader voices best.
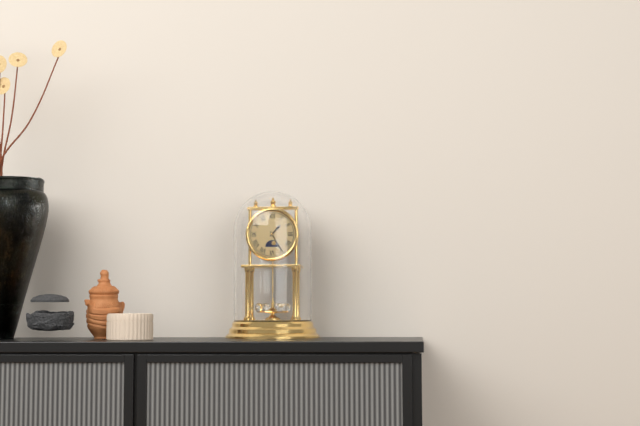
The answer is 1 h 25 min
